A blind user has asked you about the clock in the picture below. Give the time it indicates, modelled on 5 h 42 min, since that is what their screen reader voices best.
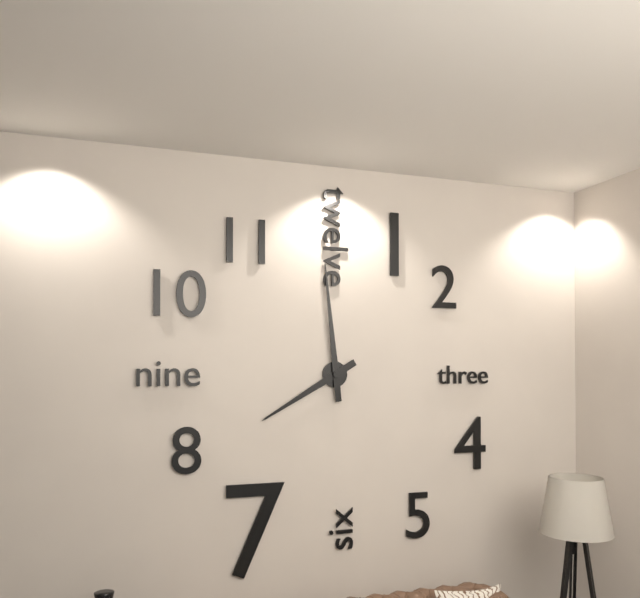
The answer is 7 h 59 min
